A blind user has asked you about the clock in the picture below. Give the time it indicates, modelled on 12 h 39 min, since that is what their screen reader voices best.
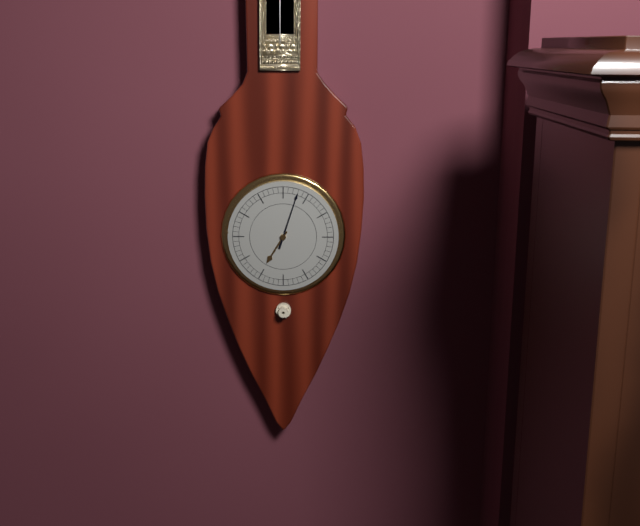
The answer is 7 h 03 min
